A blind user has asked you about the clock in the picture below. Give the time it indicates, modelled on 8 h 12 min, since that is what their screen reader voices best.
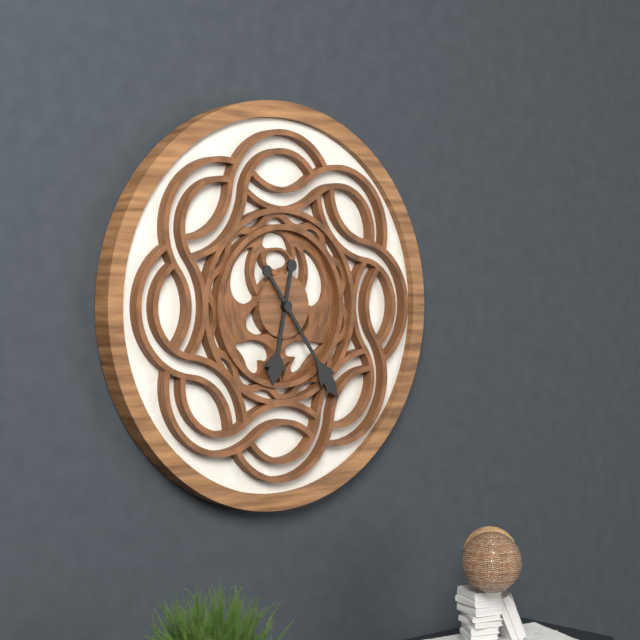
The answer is 6 h 24 min
